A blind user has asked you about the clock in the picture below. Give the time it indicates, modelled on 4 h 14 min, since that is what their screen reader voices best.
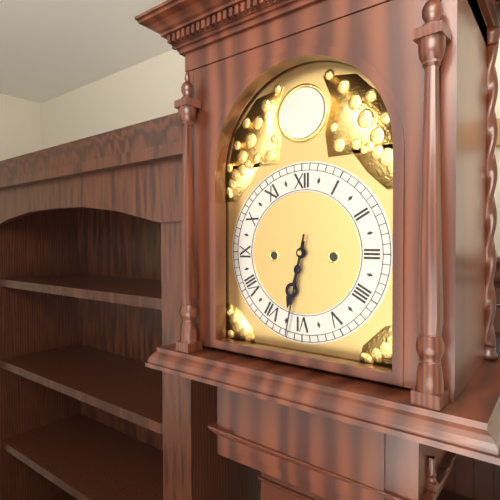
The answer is 6 h 32 min
